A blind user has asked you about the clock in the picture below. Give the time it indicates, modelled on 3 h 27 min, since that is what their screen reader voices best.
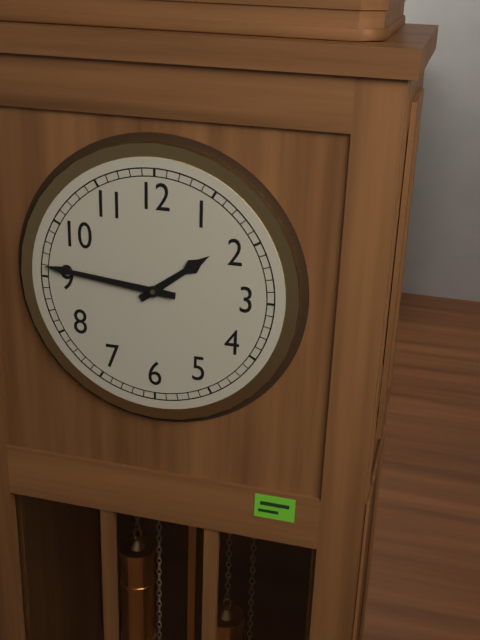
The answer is 1 h 46 min
